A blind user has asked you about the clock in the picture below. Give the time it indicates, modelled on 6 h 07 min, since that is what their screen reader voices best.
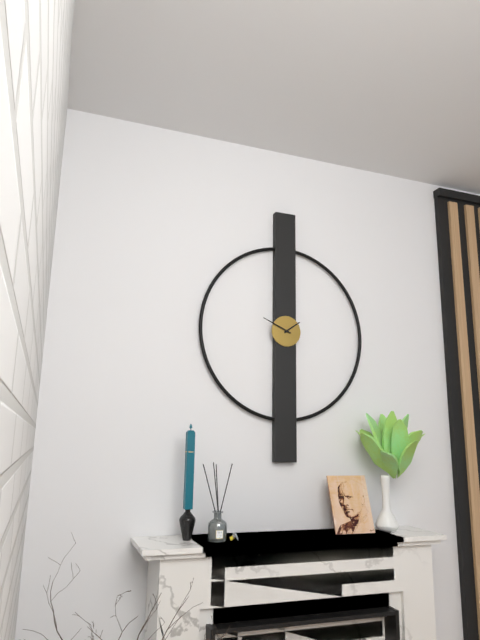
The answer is 1 h 49 min
